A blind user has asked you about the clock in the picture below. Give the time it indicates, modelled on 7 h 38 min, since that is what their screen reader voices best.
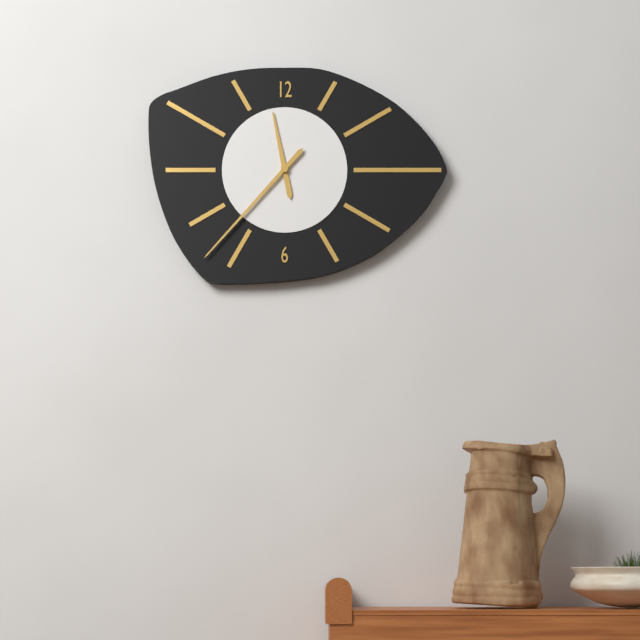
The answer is 11 h 37 min
